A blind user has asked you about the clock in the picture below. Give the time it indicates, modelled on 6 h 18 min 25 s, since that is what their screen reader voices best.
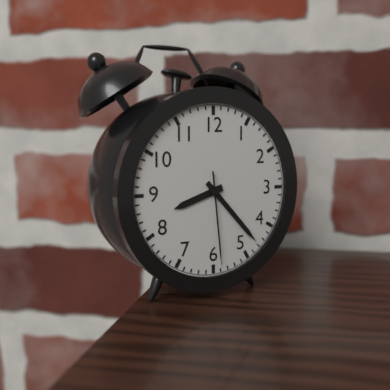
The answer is 8 h 23 min 29 s
